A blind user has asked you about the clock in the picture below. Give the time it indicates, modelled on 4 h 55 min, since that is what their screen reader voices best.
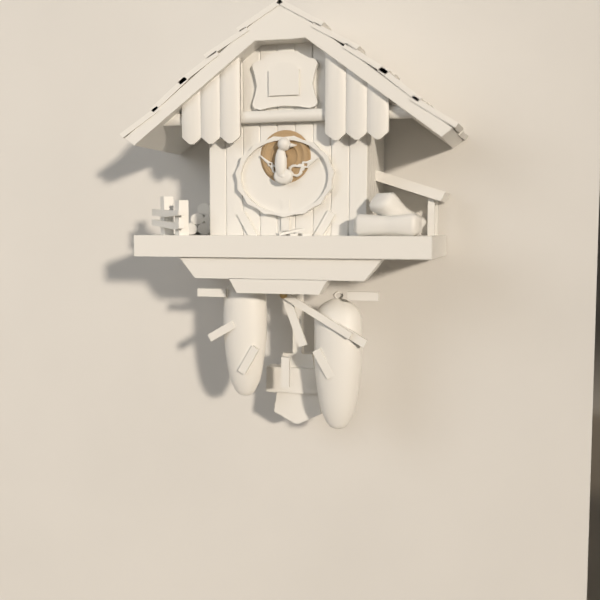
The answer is 5 h 20 min
